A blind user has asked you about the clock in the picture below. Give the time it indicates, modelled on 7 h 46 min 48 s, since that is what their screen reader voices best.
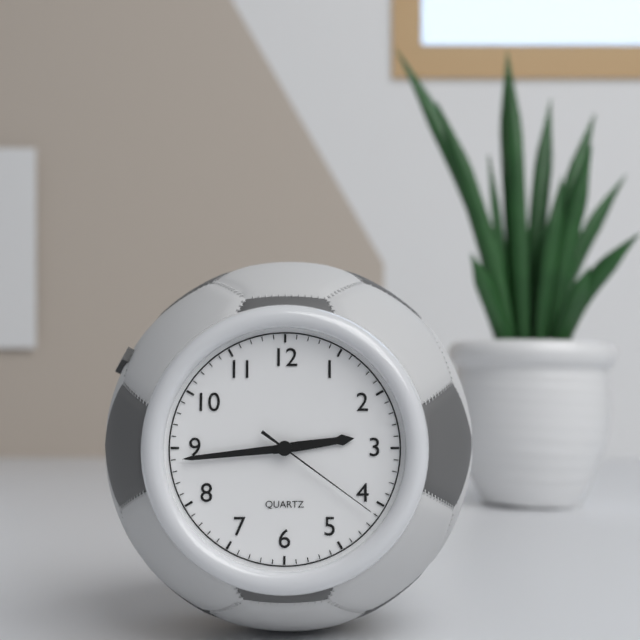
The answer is 2 h 44 min 21 s
